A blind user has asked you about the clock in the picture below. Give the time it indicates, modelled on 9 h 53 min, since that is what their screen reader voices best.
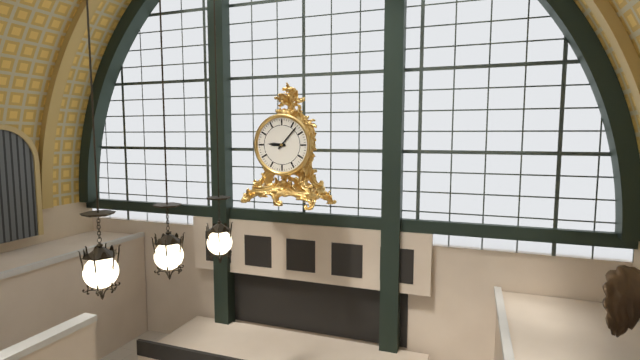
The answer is 9 h 07 min
